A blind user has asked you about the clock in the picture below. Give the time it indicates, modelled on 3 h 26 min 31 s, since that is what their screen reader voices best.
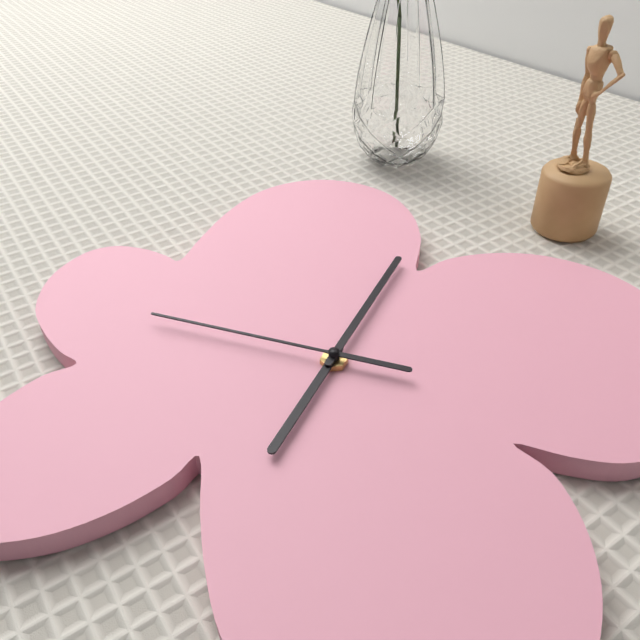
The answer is 6 h 00 min 44 s
